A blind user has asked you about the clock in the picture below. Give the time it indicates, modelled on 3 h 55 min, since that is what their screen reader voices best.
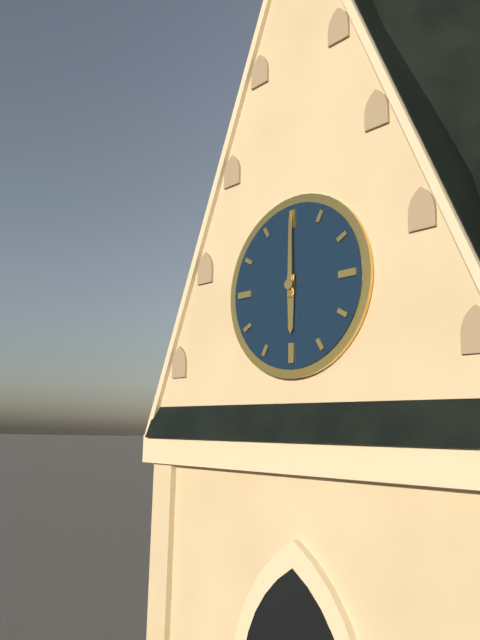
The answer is 6 h 00 min
